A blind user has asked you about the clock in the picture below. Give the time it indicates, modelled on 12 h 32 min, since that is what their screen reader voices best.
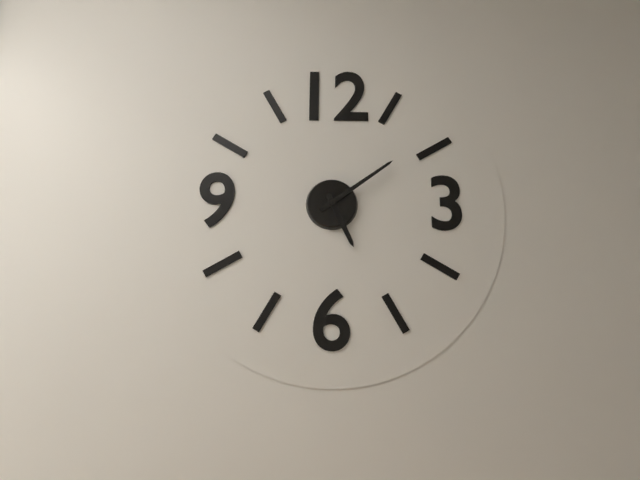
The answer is 5 h 09 min
